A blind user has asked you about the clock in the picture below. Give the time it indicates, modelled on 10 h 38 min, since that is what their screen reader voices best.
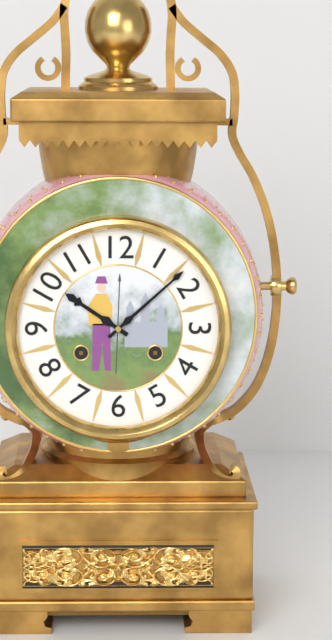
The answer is 10 h 08 min
